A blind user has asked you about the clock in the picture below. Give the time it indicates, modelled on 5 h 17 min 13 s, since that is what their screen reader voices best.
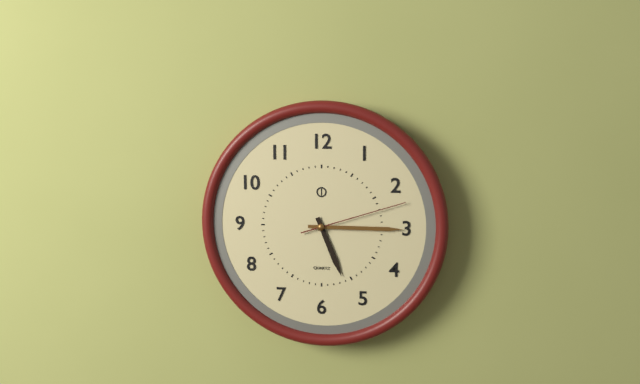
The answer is 5 h 15 min 12 s
